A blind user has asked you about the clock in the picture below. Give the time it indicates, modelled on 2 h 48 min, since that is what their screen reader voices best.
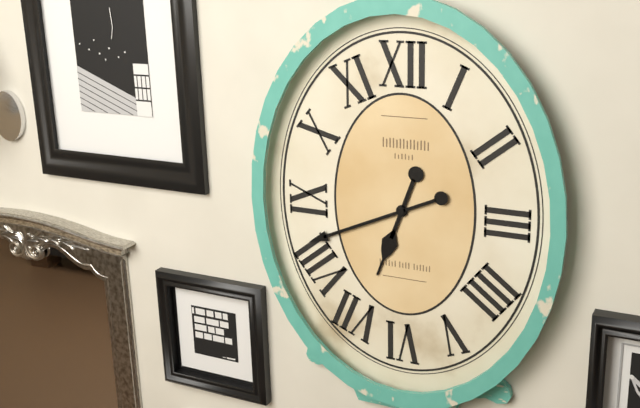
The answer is 6 h 41 min
